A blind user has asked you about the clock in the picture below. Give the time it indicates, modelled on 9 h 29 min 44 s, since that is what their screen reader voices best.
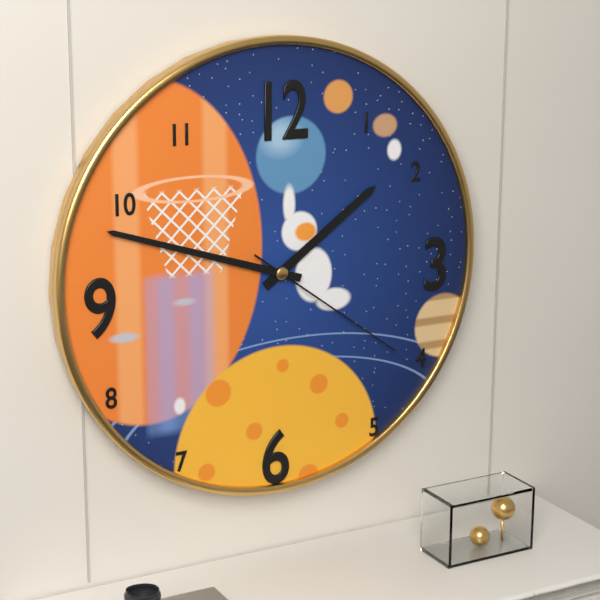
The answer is 1 h 48 min 21 s
